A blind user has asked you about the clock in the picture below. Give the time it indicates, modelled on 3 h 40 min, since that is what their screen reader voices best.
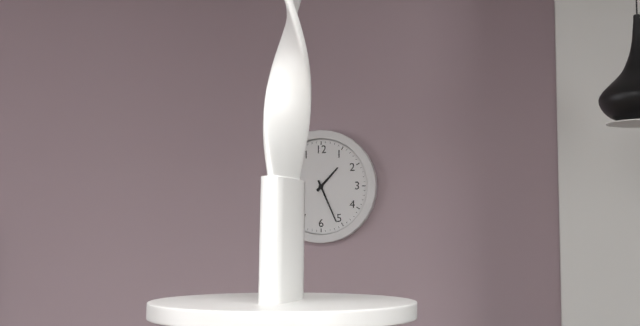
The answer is 1 h 26 min
